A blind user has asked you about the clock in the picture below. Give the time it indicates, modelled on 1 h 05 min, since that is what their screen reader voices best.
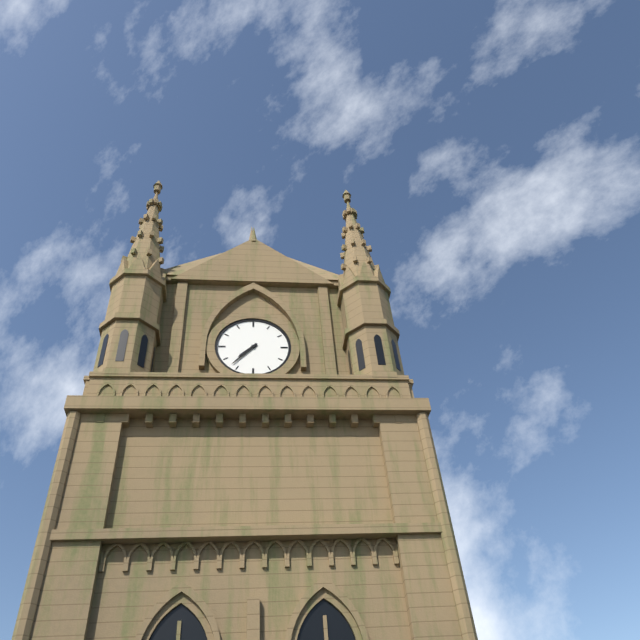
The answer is 7 h 37 min
